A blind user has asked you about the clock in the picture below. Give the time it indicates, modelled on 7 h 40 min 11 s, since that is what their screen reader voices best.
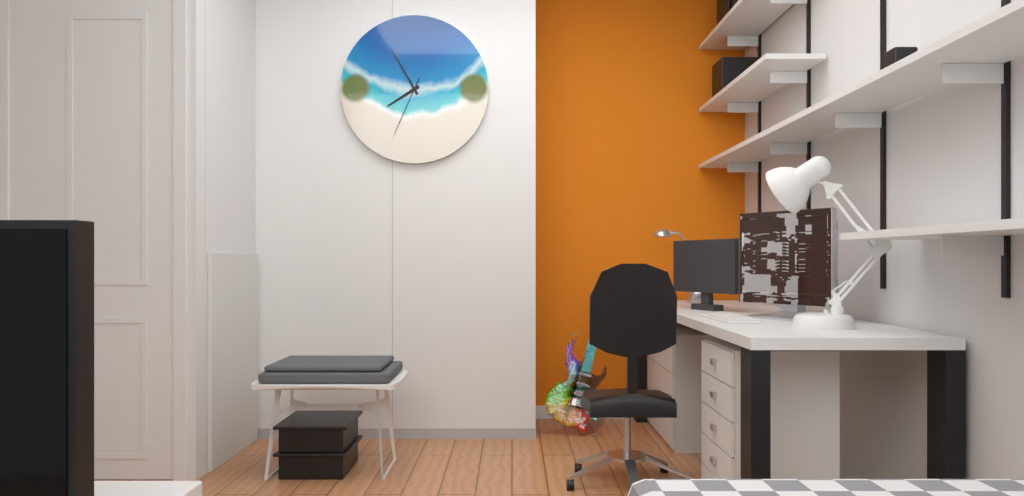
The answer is 7 h 55 min 34 s
